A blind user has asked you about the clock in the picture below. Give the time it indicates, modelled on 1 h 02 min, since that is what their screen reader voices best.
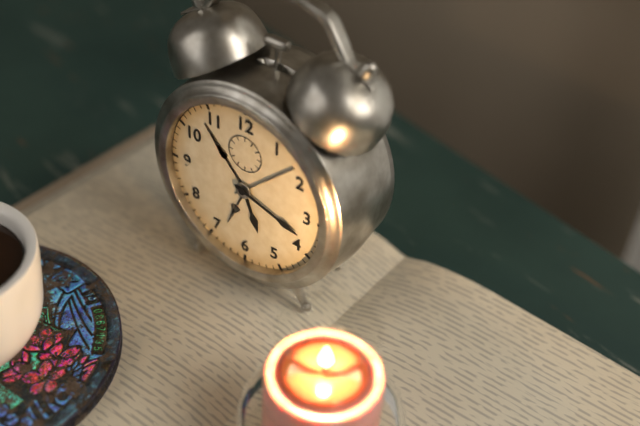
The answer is 5 h 18 min
